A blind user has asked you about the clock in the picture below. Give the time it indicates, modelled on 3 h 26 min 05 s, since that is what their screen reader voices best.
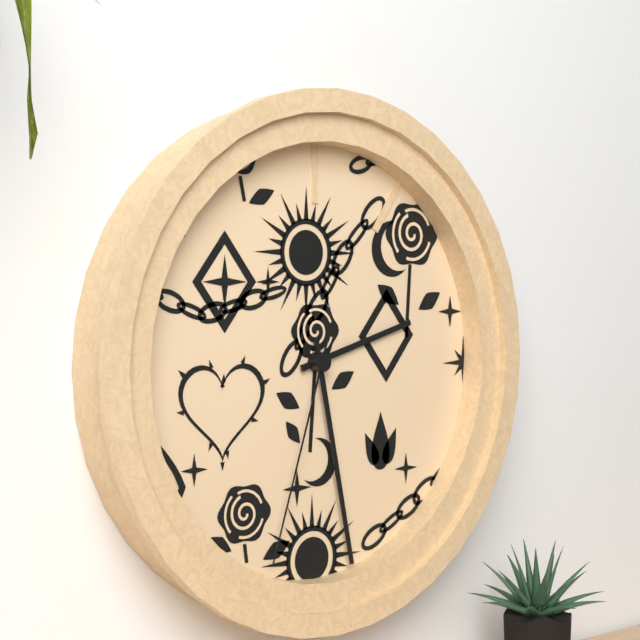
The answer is 2 h 28 min 33 s
